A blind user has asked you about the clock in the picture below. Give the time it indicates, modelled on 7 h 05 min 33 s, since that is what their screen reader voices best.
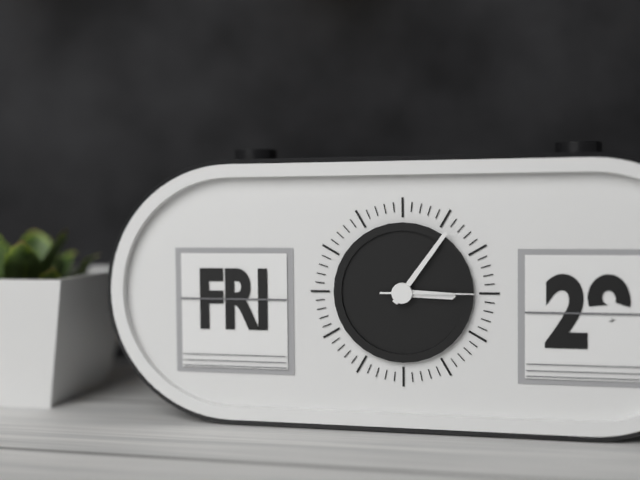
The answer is 3 h 06 min 15 s
